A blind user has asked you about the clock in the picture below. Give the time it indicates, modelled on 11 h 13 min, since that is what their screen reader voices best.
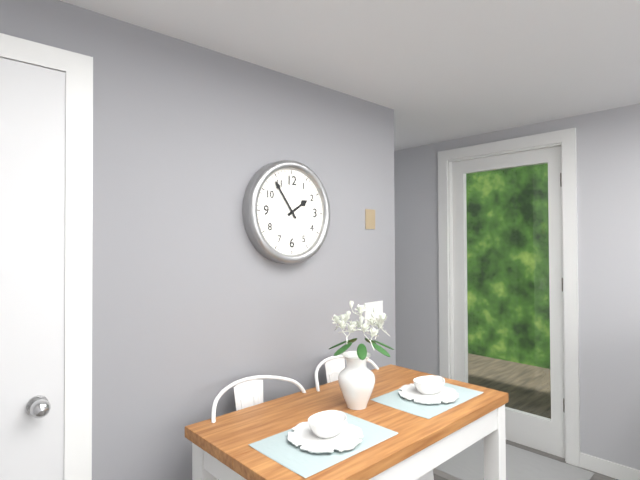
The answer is 1 h 54 min
